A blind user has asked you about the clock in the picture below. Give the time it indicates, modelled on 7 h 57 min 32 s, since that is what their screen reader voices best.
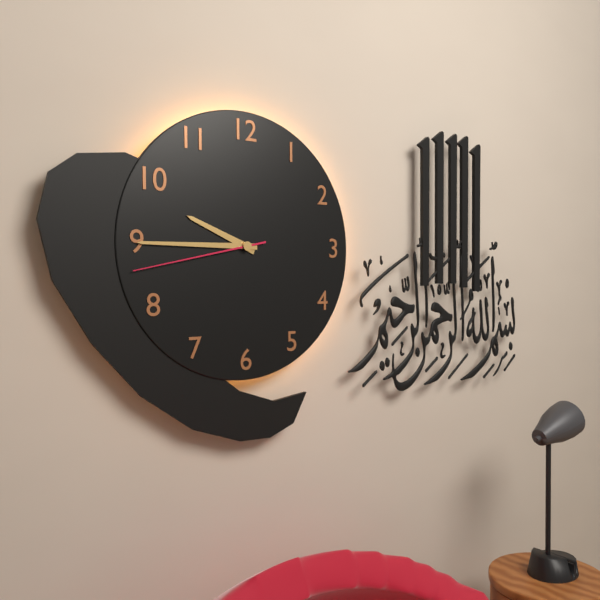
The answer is 9 h 45 min 43 s
